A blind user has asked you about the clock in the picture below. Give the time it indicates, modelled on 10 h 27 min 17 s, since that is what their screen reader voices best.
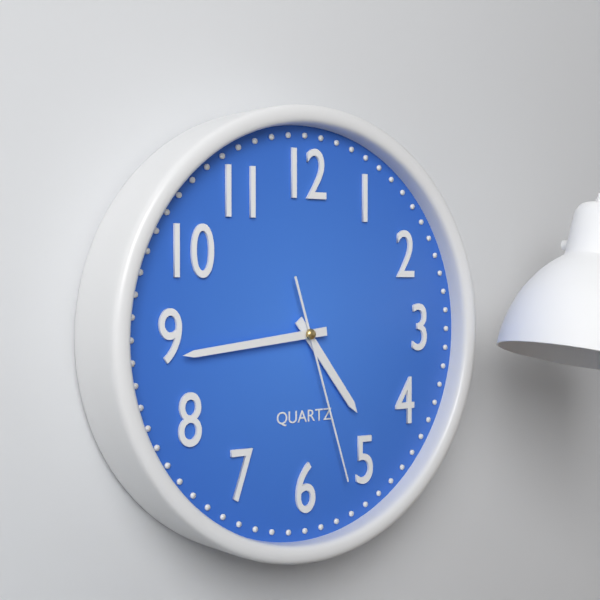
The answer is 4 h 44 min 27 s
